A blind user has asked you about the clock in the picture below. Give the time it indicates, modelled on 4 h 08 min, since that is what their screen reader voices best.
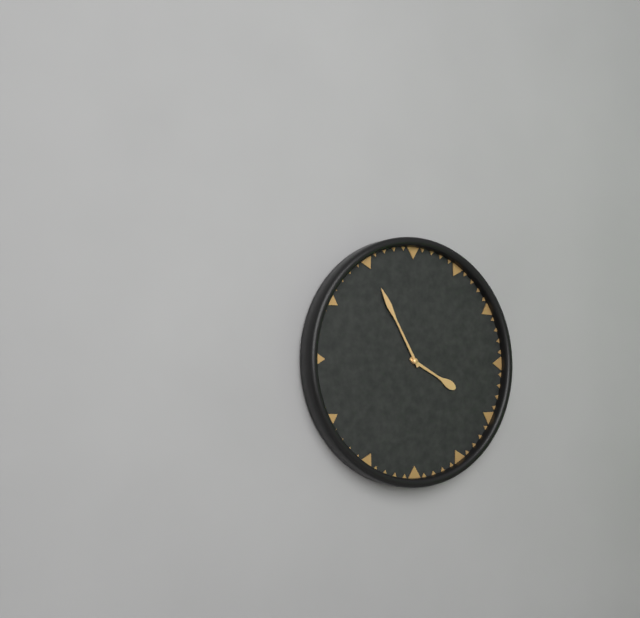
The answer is 3 h 55 min
